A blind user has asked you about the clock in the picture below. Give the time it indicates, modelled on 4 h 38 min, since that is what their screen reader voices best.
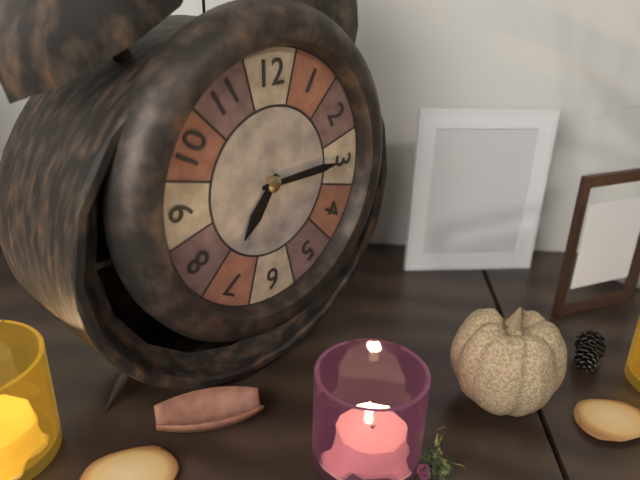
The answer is 7 h 15 min
